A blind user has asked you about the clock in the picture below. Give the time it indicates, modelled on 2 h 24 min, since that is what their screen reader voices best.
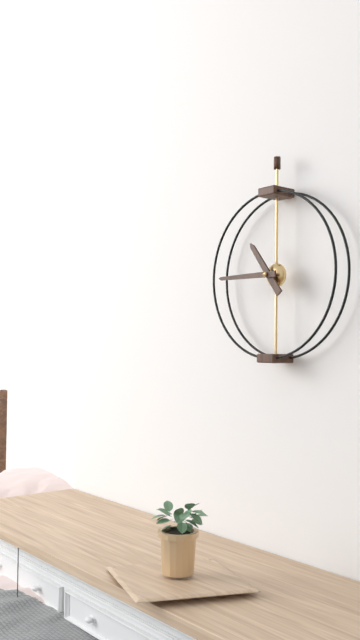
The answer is 10 h 45 min
